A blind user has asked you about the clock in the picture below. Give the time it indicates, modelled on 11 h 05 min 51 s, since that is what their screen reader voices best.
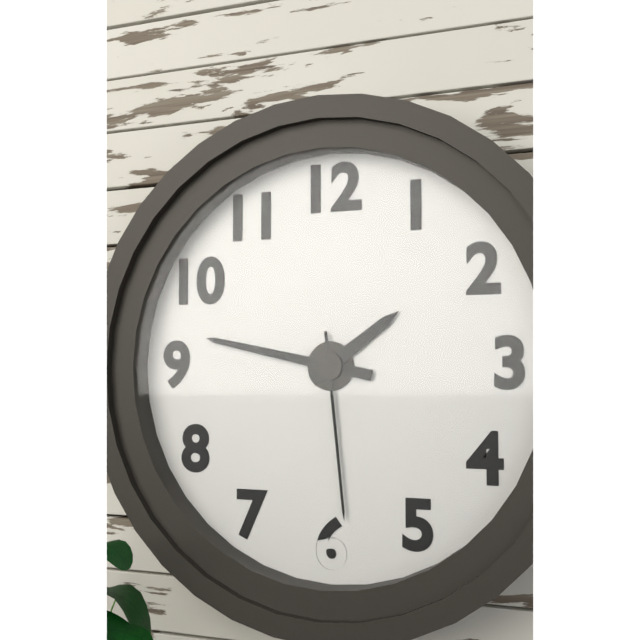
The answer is 1 h 47 min 29 s
